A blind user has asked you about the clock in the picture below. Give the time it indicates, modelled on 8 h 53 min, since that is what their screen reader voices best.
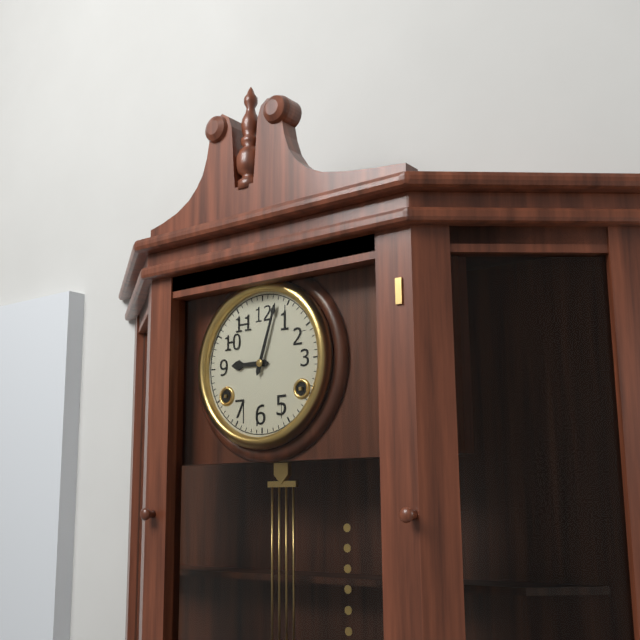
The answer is 9 h 03 min
